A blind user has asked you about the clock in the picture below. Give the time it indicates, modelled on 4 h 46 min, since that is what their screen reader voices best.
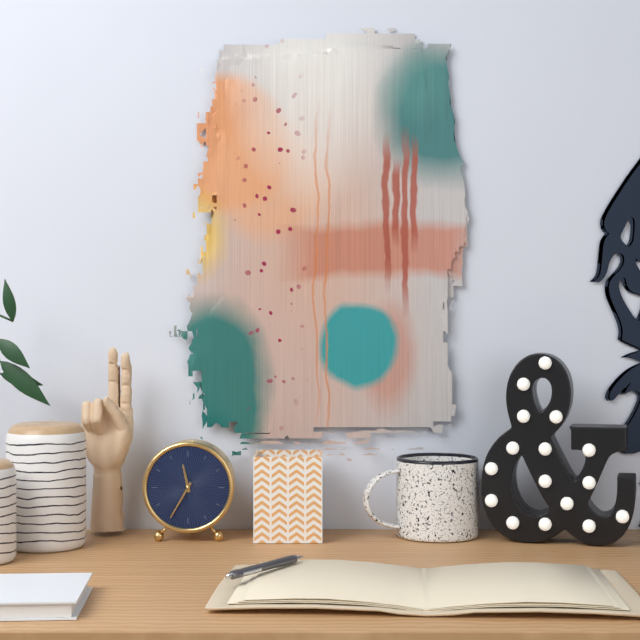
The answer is 11 h 35 min
